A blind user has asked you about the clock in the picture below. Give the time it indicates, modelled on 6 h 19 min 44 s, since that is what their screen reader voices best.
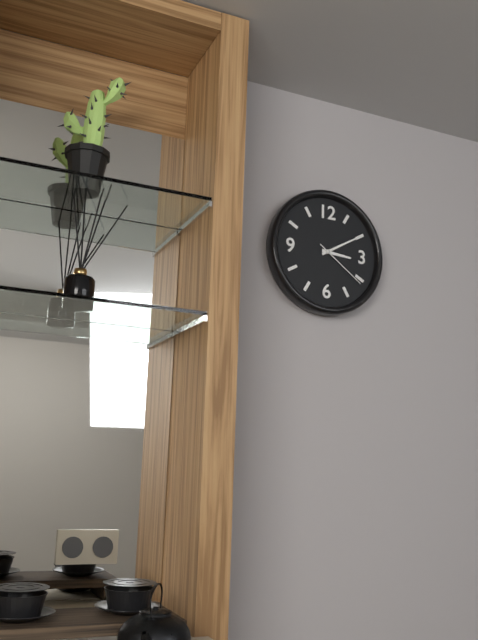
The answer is 3 h 10 min 21 s
